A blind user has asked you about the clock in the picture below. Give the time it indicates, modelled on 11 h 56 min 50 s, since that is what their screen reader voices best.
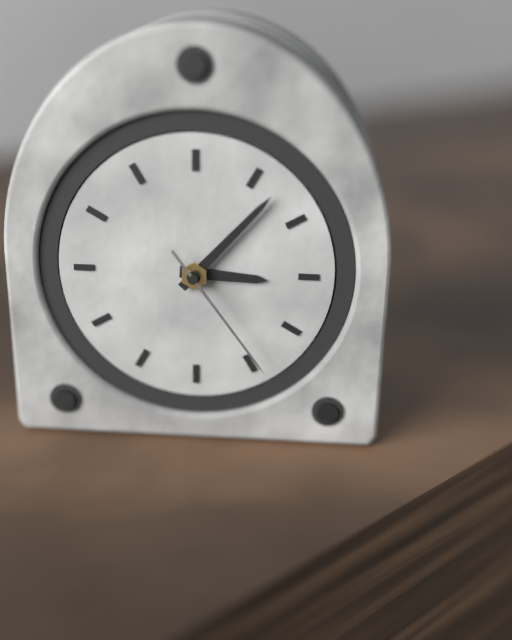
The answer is 3 h 07 min 24 s
